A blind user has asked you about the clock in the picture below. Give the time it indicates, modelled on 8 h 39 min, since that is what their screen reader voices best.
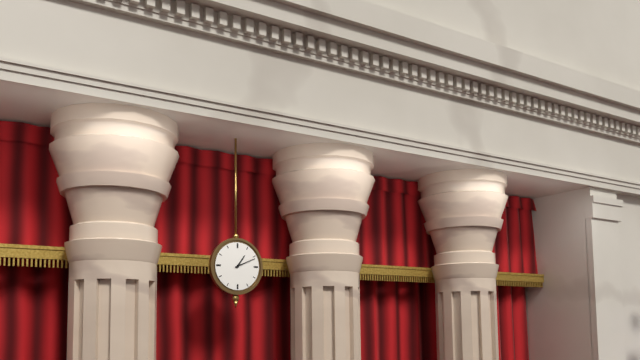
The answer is 1 h 11 min
